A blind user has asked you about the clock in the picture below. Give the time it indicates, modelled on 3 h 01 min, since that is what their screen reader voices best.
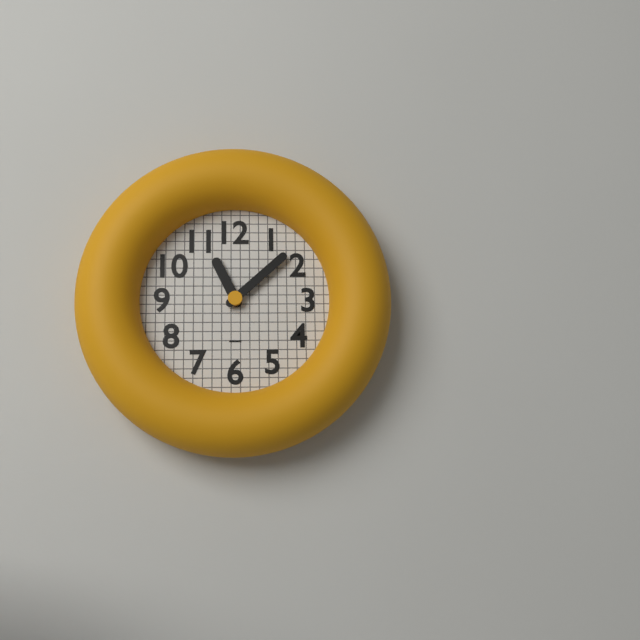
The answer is 11 h 08 min
